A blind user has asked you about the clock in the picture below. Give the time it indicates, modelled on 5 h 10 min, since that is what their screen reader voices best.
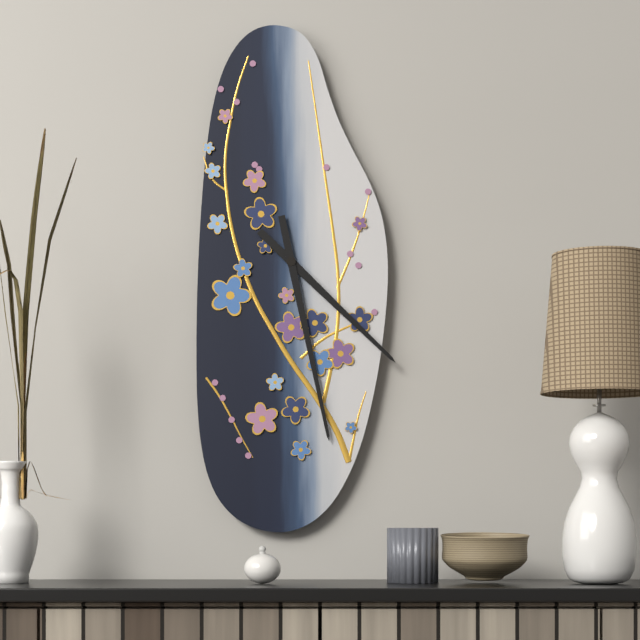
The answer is 4 h 28 min
